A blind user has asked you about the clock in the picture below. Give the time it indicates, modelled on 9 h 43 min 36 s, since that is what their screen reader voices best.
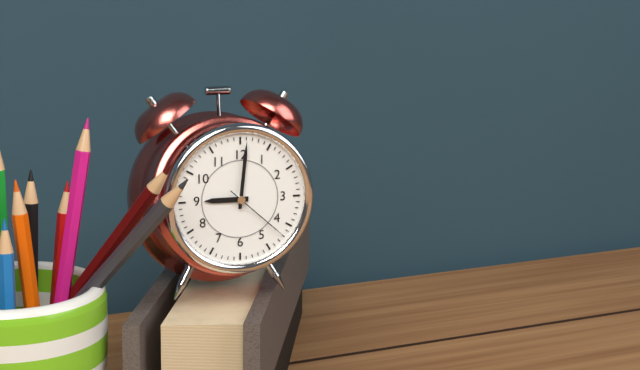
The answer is 9 h 01 min 22 s
